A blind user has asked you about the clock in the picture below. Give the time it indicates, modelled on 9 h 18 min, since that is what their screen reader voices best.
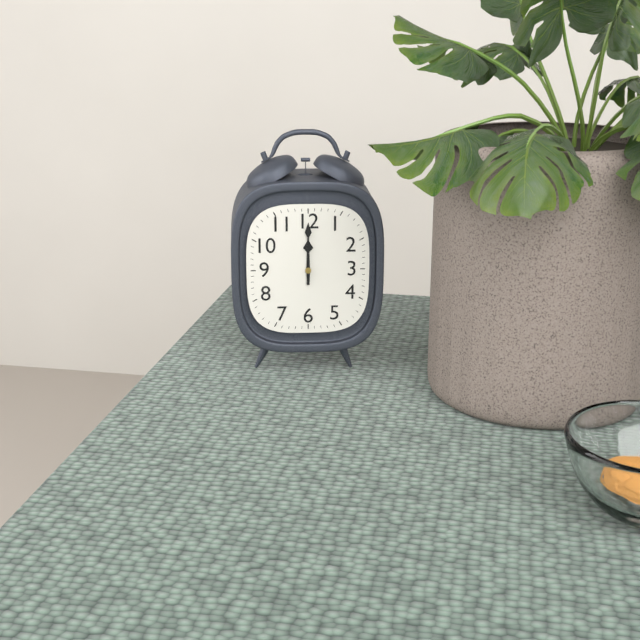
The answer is 12 h 00 min
